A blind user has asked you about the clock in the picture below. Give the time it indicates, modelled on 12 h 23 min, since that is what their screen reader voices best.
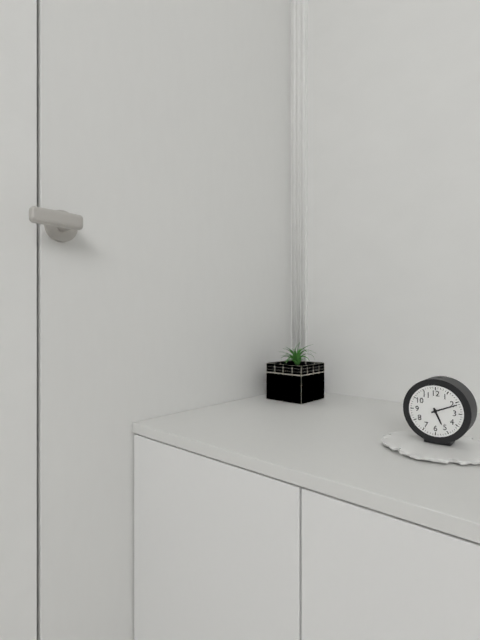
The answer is 5 h 11 min
